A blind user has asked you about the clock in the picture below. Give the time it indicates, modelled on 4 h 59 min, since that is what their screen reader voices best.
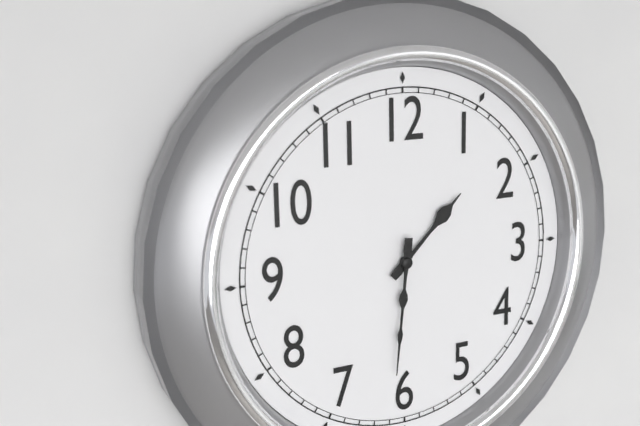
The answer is 1 h 31 min
